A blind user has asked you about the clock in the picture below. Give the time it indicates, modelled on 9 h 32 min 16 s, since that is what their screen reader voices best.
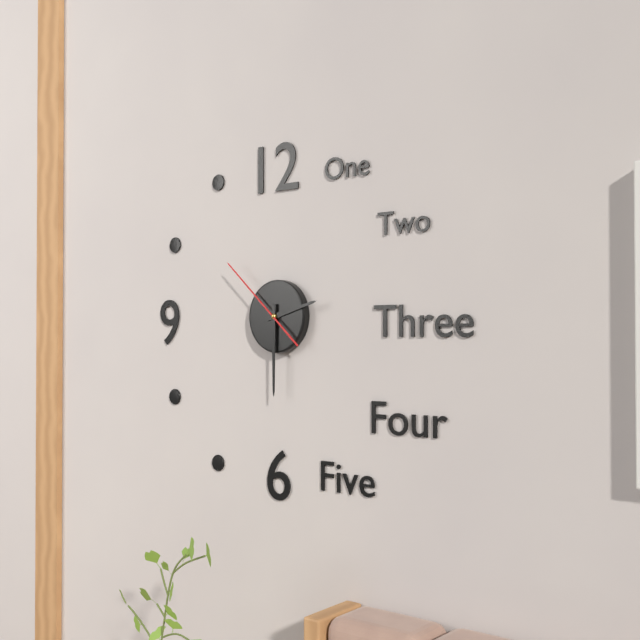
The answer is 2 h 30 min 52 s
